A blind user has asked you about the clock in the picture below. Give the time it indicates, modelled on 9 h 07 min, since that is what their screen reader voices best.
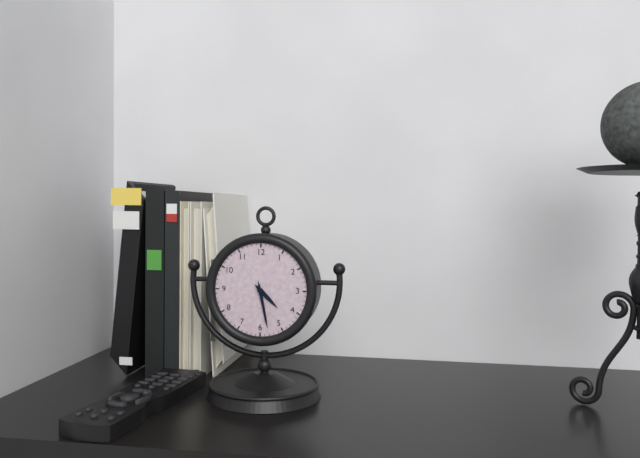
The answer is 4 h 28 min
